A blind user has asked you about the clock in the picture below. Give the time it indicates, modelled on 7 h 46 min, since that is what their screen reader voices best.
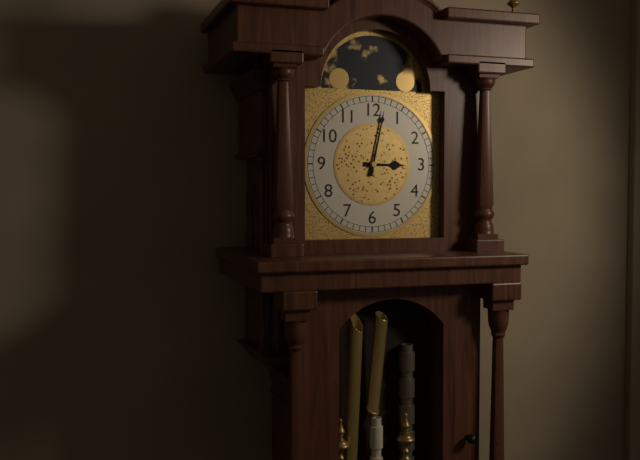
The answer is 3 h 02 min
